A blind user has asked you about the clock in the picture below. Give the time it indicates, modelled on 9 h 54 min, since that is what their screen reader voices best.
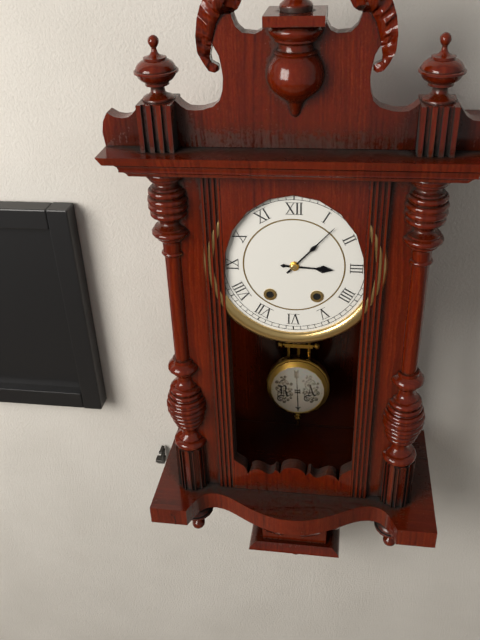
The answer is 3 h 07 min
